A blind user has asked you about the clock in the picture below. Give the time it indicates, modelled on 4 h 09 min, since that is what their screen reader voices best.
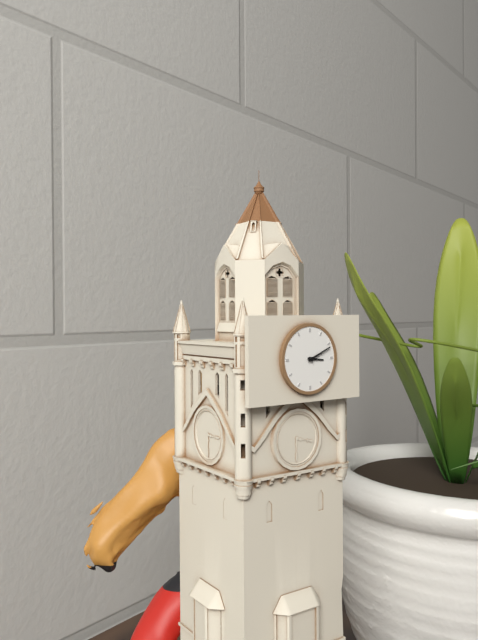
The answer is 3 h 11 min
